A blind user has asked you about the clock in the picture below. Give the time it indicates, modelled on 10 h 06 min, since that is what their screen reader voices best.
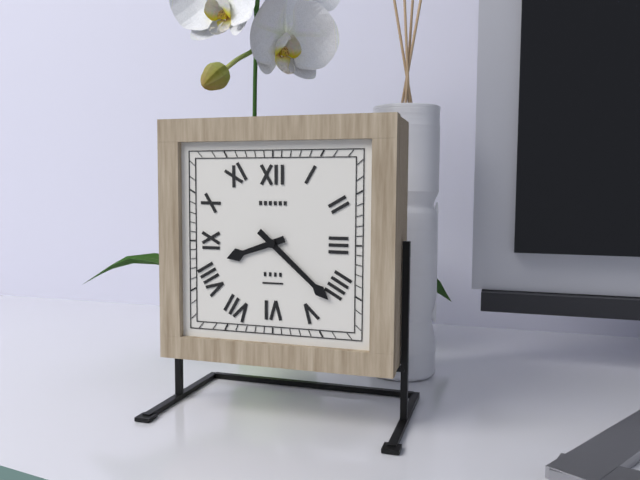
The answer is 8 h 22 min
